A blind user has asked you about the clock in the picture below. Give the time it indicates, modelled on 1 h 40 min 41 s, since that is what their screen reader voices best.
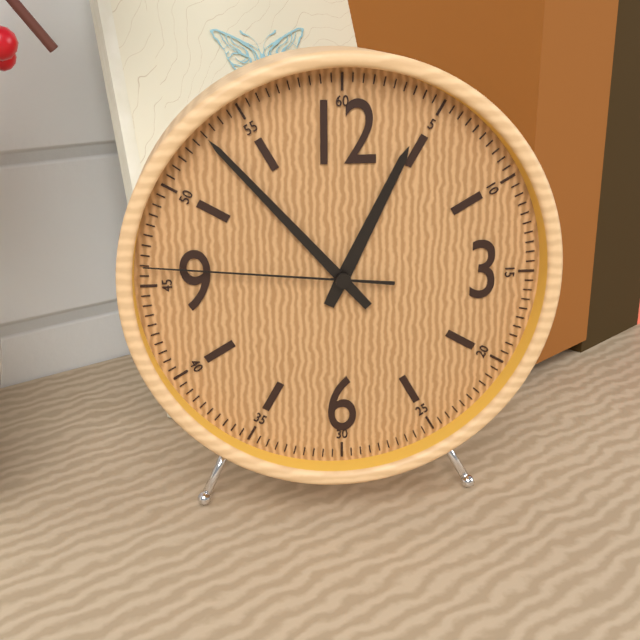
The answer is 12 h 53 min 46 s
